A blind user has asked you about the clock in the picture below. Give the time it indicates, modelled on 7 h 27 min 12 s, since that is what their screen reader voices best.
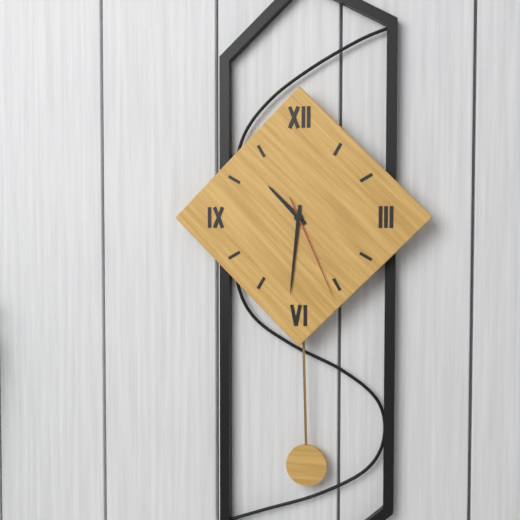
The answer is 10 h 31 min 26 s
